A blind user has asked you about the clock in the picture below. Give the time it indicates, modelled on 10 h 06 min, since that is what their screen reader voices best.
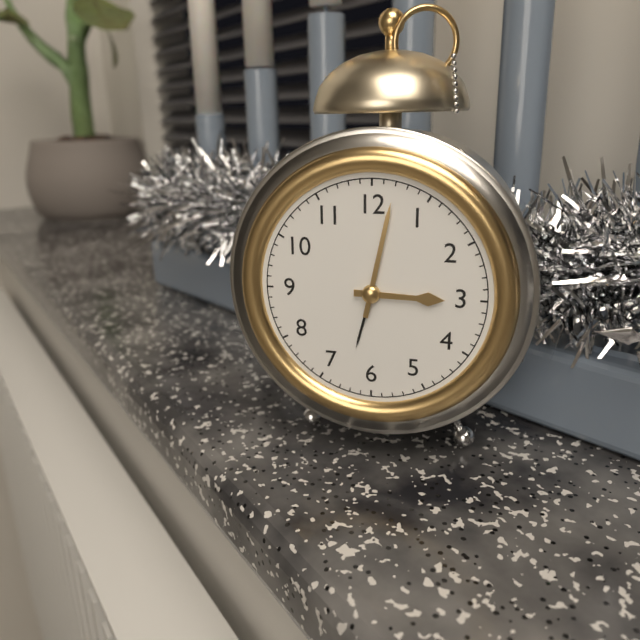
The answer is 3 h 02 min
